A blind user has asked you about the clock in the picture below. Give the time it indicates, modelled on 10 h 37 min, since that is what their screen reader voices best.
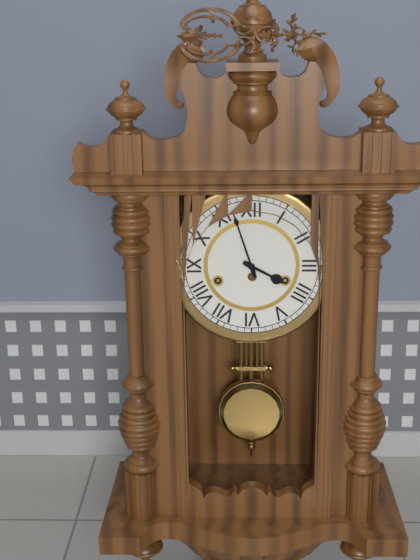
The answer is 3 h 57 min
